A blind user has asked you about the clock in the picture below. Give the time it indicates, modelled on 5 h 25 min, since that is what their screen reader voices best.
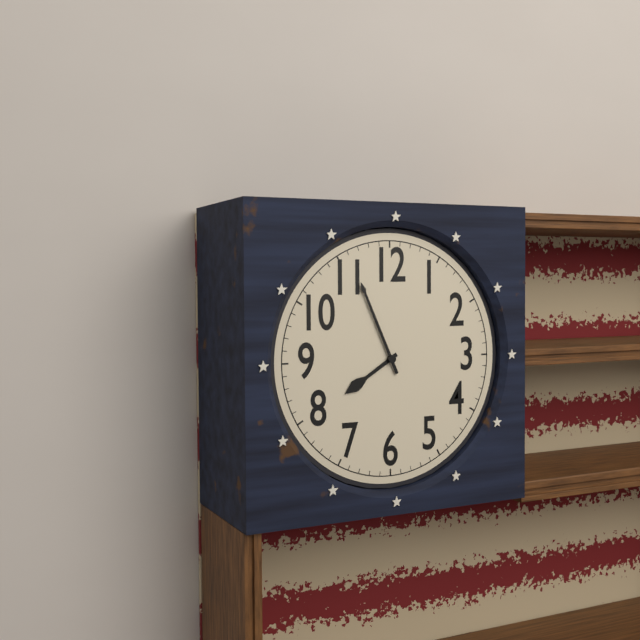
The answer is 7 h 56 min
